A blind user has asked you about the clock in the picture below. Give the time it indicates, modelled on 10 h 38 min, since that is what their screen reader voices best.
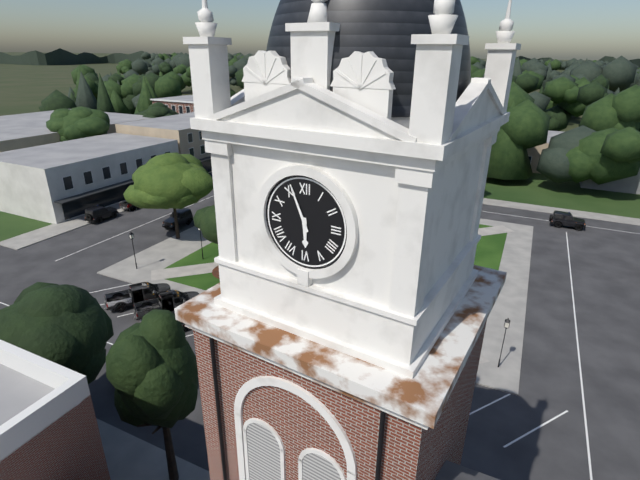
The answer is 5 h 56 min
